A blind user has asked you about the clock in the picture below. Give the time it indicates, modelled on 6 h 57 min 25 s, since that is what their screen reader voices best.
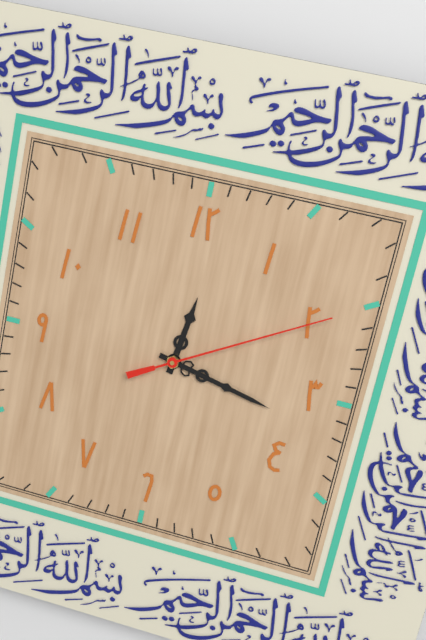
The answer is 12 h 17 min 10 s
